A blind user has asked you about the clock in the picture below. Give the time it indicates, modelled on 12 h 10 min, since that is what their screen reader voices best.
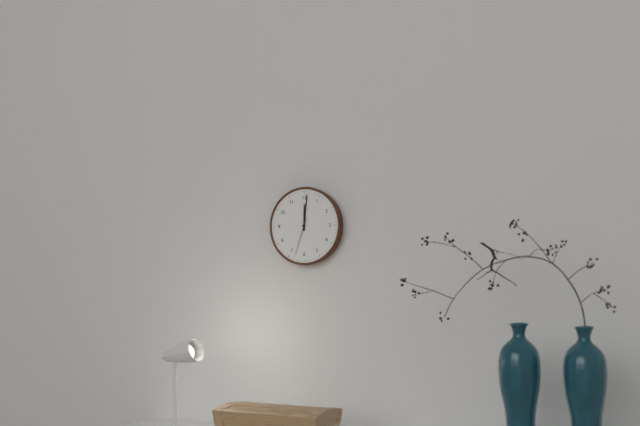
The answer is 12 h 01 min
